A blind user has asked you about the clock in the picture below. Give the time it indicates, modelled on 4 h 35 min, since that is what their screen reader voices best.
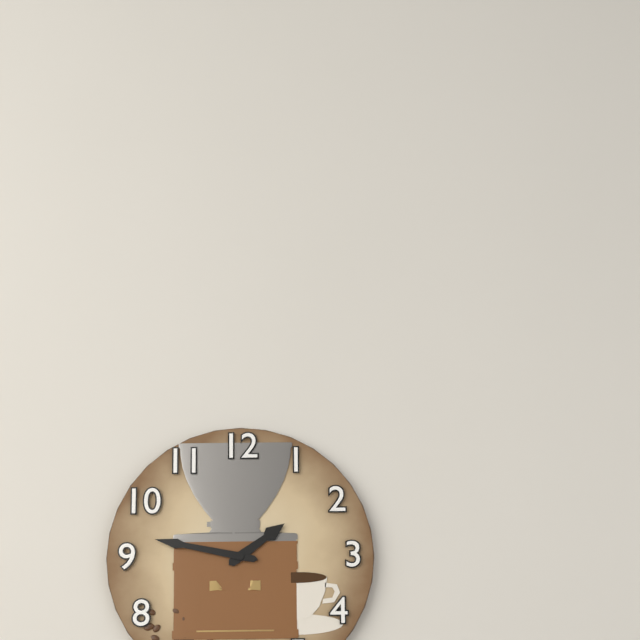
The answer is 1 h 47 min
